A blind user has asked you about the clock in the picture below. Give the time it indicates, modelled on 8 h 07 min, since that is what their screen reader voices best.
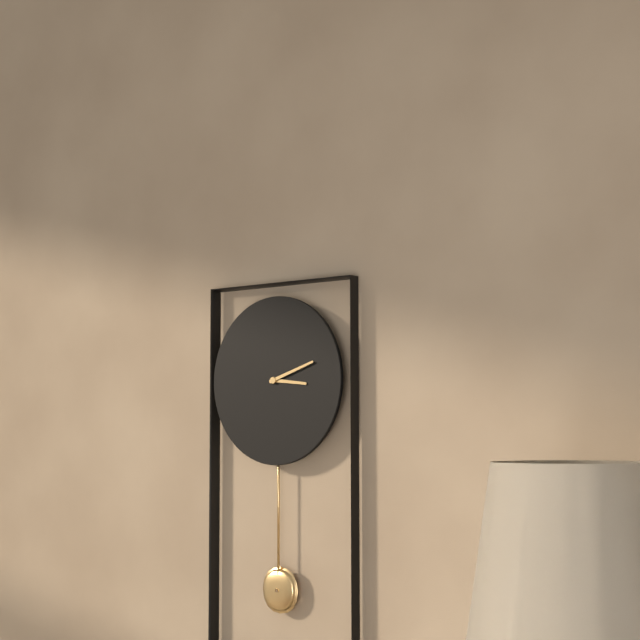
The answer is 3 h 12 min
